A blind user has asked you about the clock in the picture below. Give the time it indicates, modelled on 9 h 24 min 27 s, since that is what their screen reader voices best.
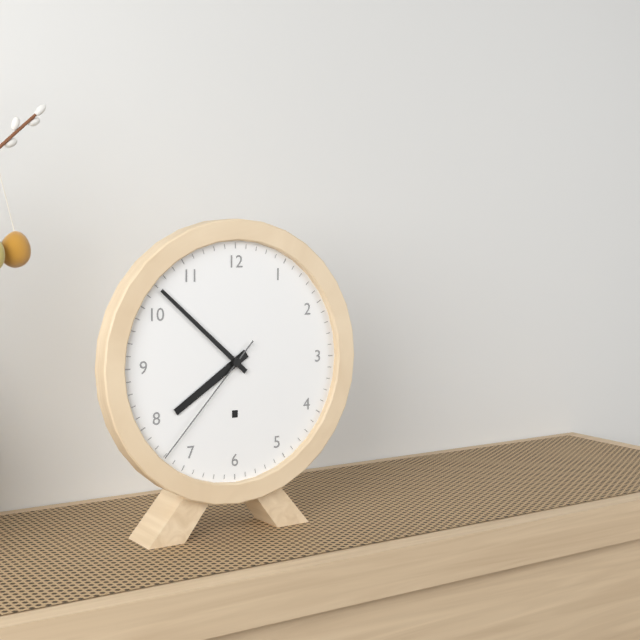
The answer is 7 h 52 min 37 s
